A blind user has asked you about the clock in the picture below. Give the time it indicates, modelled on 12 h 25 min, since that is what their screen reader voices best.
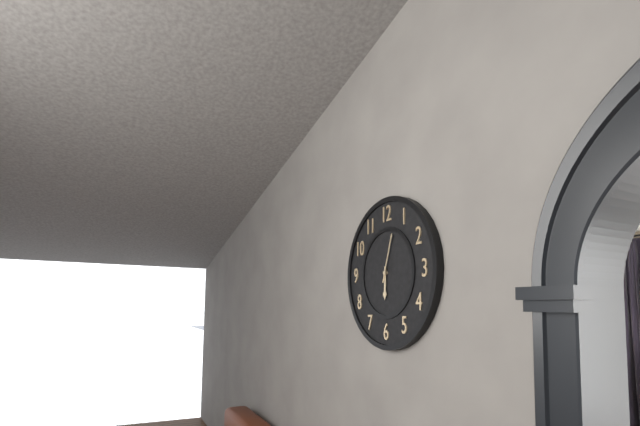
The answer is 6 h 03 min
